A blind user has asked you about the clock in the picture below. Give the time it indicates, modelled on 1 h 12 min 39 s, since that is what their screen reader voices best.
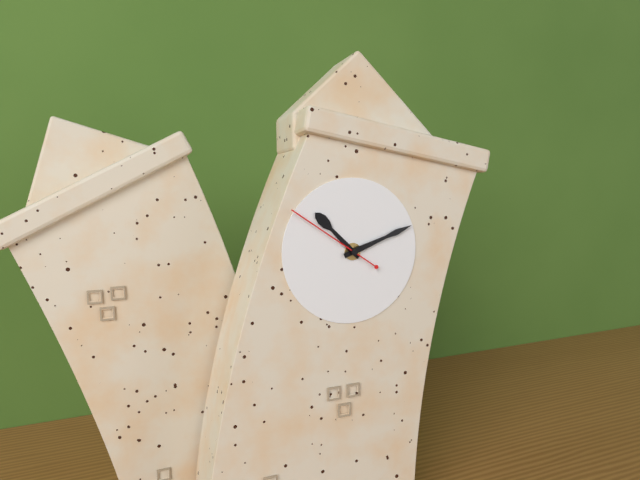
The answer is 10 h 10 min 49 s
